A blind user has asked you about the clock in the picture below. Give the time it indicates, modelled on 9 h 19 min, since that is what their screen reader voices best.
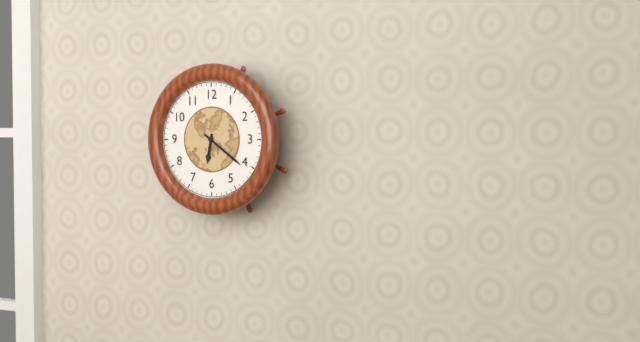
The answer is 6 h 21 min
